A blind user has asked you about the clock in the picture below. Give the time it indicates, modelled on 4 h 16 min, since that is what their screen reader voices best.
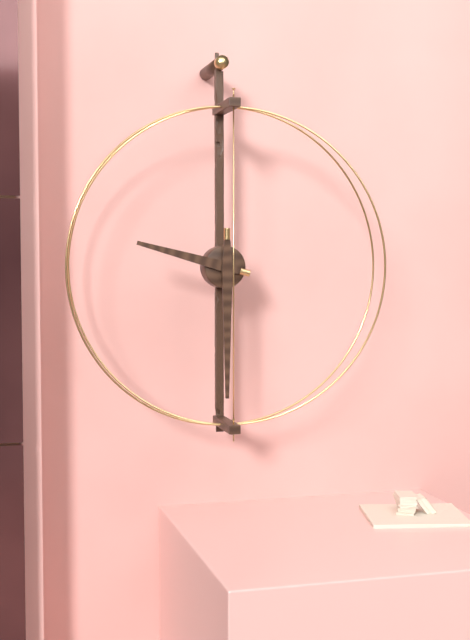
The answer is 9 h 30 min
